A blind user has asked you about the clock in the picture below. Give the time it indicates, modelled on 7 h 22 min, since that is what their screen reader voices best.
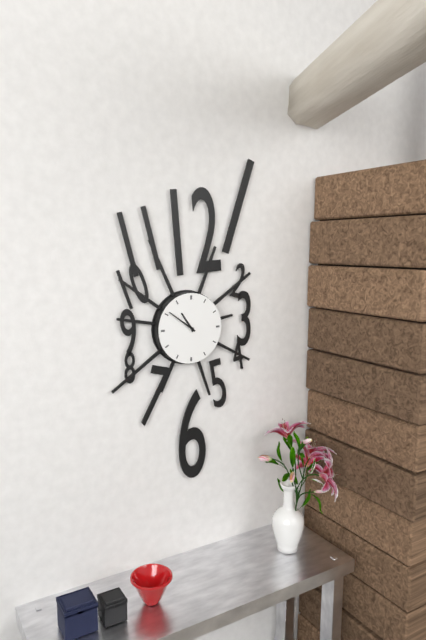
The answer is 10 h 51 min
